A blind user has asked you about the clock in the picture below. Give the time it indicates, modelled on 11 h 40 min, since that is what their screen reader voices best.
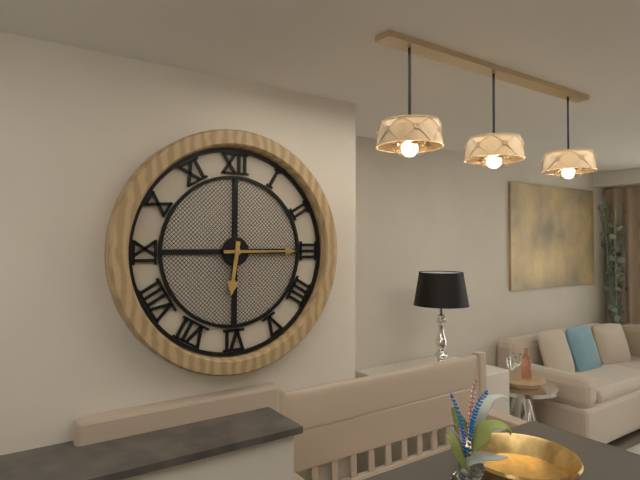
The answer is 6 h 15 min
